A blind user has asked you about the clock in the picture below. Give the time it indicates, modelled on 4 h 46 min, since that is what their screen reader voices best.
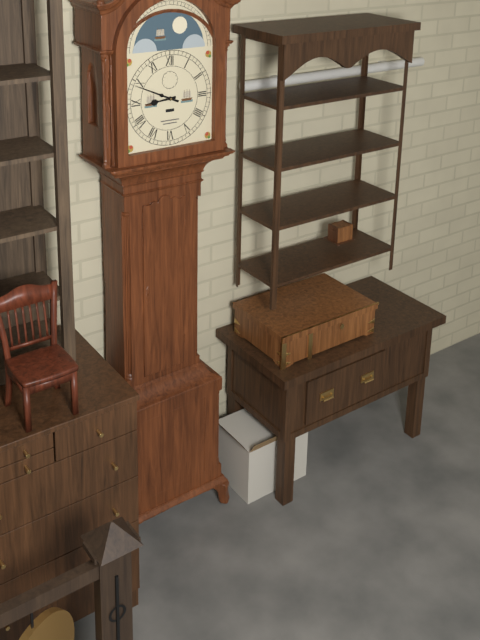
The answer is 8 h 49 min
